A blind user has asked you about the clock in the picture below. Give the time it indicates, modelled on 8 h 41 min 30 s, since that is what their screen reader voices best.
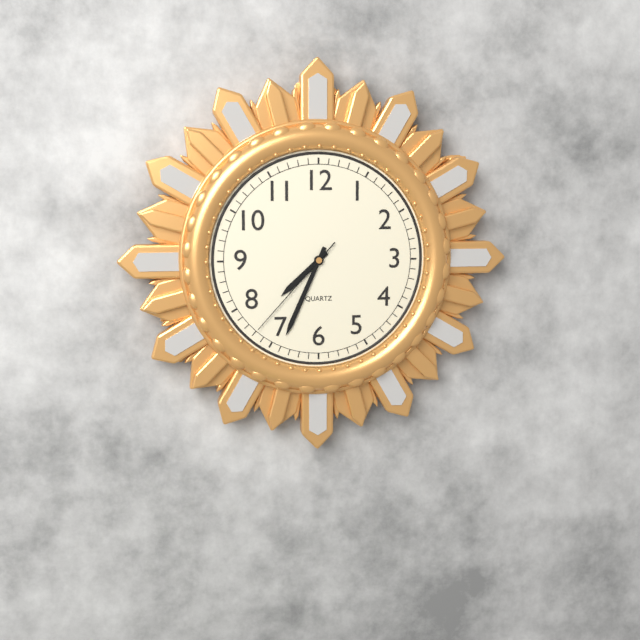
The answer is 7 h 34 min 37 s
